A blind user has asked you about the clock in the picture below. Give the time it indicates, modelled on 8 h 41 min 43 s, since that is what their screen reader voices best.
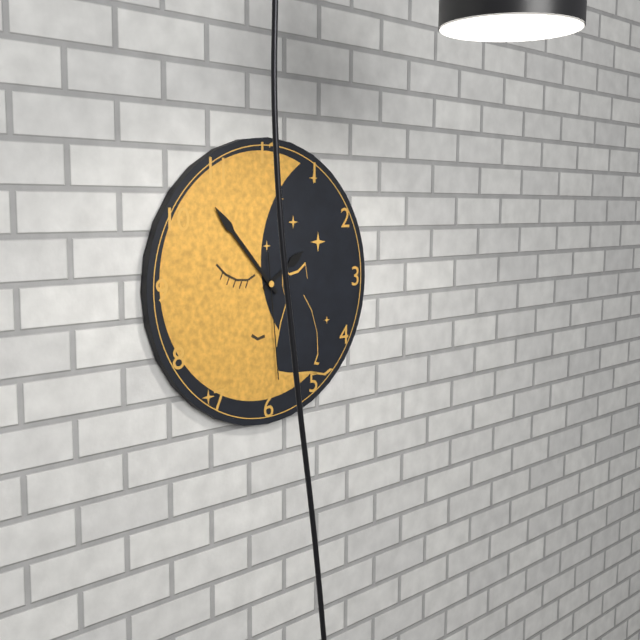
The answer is 1 h 53 min 29 s
